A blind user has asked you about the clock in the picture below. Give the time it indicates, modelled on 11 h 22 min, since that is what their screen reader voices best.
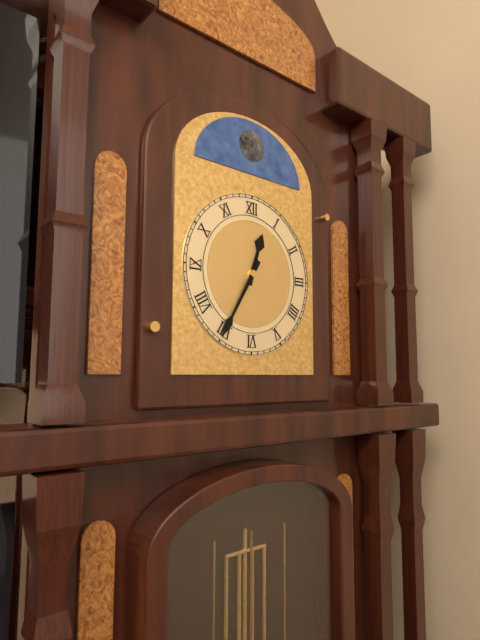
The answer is 12 h 35 min
